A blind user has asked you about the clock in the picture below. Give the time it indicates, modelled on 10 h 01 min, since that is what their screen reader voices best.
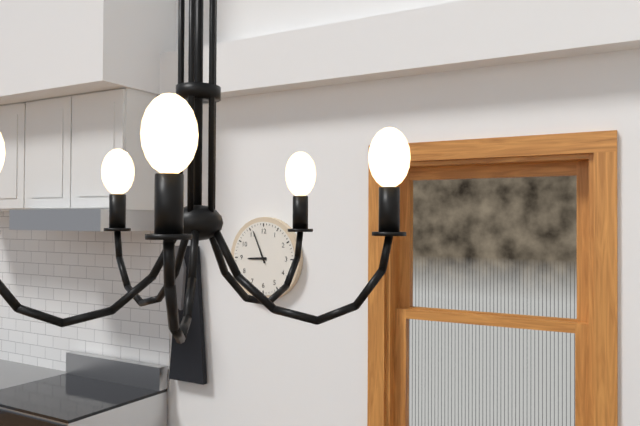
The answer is 8 h 56 min
